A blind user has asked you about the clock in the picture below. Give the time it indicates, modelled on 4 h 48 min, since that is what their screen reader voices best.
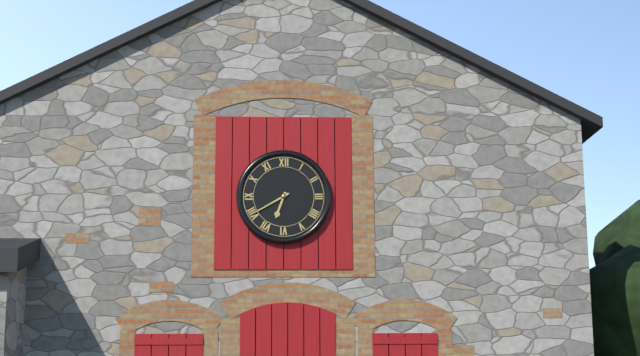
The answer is 6 h 40 min
